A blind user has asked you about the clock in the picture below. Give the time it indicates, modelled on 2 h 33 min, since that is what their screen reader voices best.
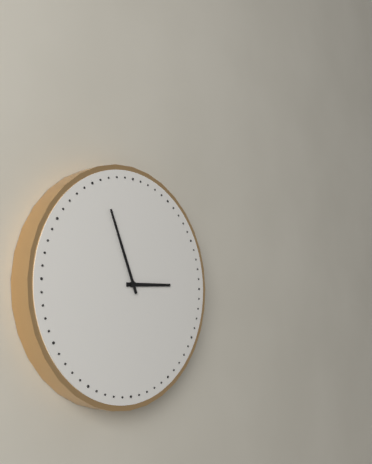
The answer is 2 h 56 min
